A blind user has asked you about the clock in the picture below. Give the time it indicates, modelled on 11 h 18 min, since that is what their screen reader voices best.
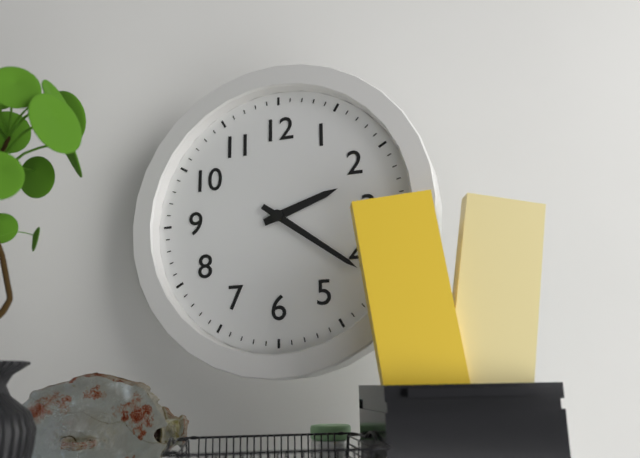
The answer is 2 h 21 min
